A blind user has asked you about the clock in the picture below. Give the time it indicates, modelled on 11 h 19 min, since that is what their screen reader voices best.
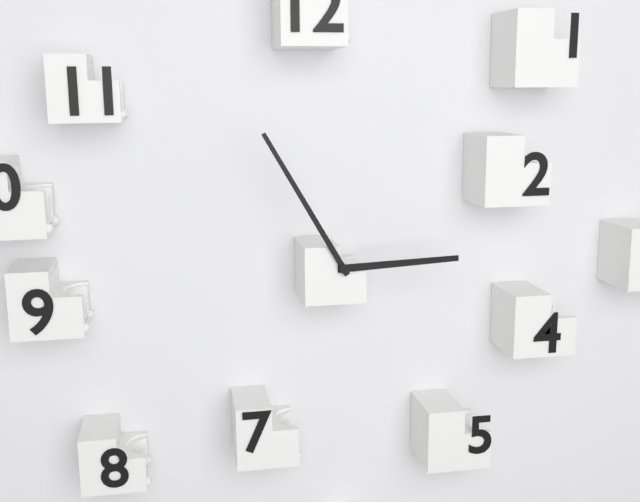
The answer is 2 h 55 min
